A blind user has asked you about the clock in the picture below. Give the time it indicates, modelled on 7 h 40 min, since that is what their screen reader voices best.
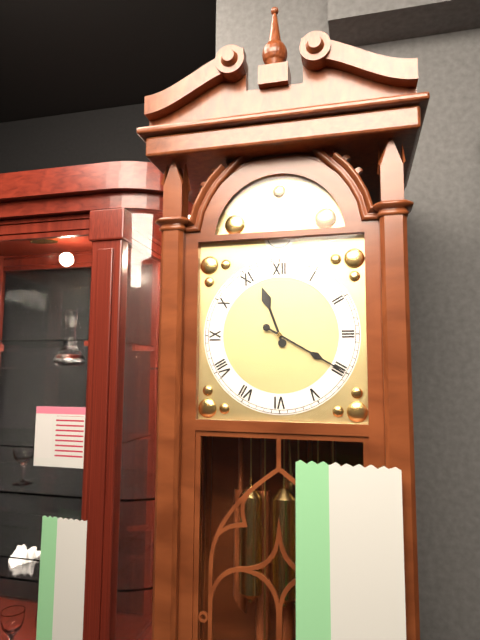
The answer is 11 h 20 min
